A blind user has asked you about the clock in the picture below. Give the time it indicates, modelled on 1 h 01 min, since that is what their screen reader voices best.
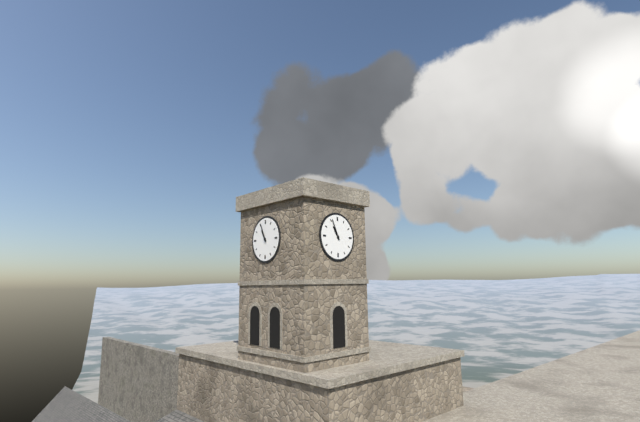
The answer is 10 h 56 min
